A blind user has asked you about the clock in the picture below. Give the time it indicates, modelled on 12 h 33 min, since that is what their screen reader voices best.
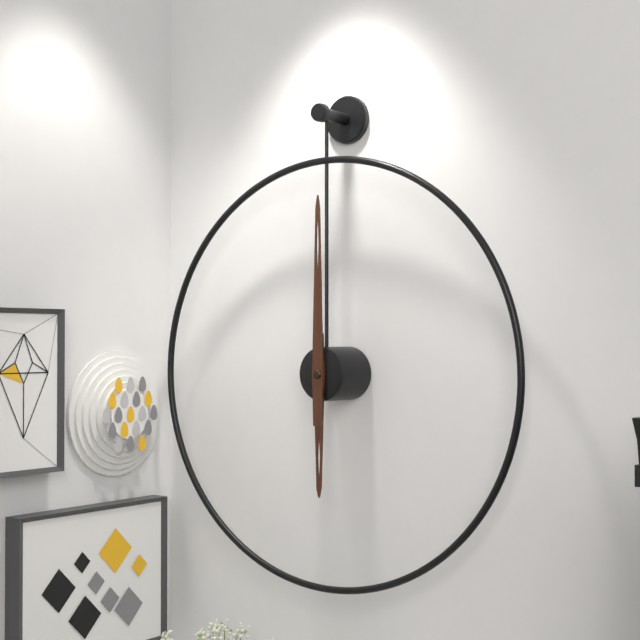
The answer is 6 h 00 min
